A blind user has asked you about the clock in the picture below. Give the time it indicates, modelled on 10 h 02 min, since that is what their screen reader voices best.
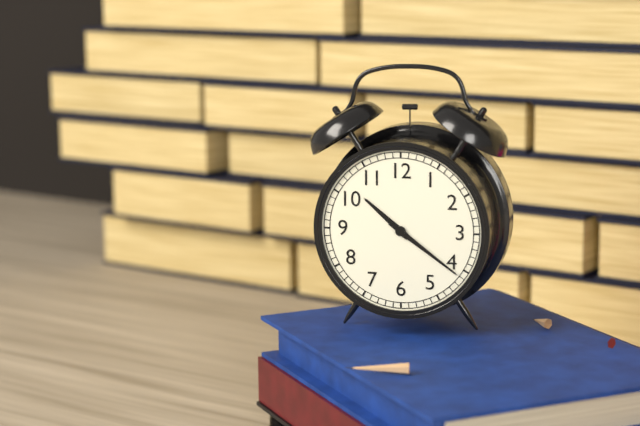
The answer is 10 h 21 min
